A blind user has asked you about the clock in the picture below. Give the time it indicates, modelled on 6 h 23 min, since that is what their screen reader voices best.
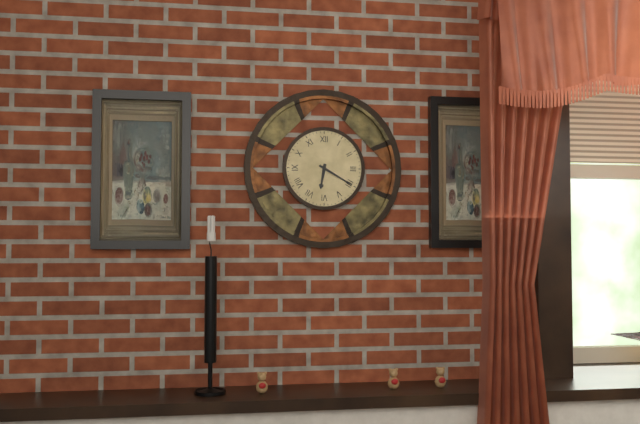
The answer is 6 h 20 min
